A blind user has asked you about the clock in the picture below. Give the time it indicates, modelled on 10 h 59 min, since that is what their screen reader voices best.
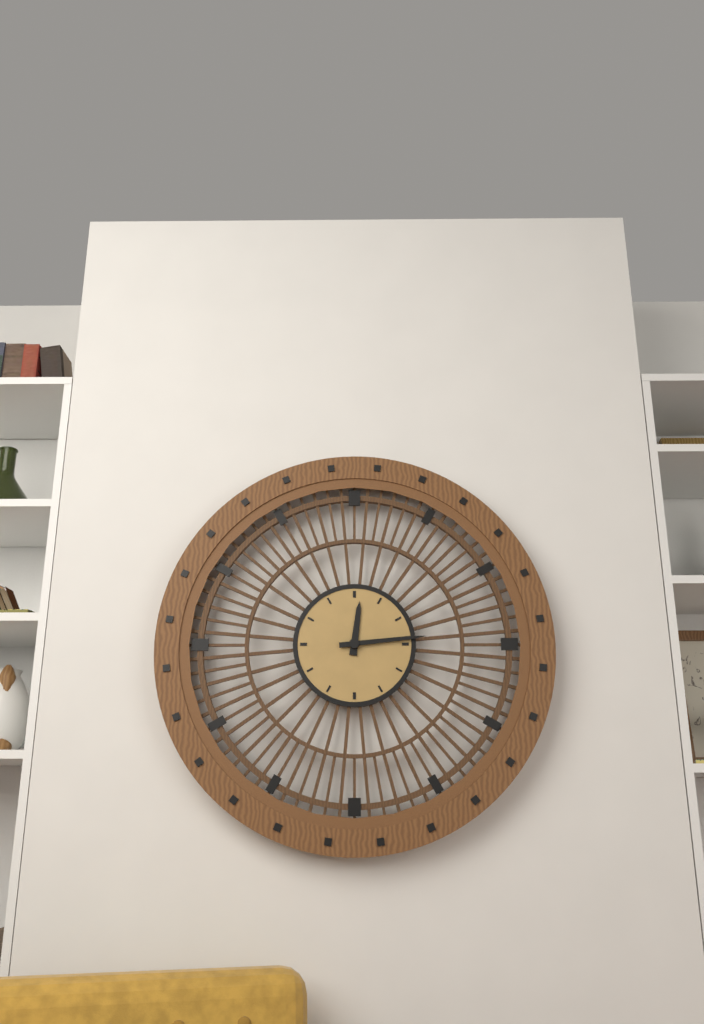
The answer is 12 h 14 min
